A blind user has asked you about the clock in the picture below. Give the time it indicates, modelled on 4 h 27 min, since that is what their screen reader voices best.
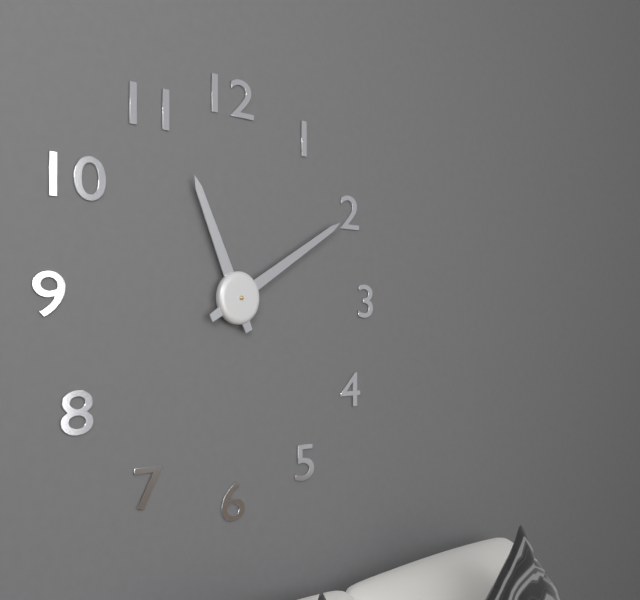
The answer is 11 h 10 min
